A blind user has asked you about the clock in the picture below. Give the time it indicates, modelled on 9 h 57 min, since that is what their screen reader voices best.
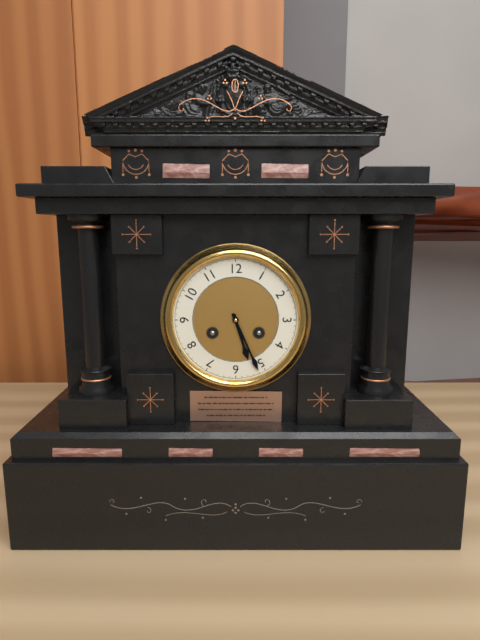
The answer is 5 h 26 min
